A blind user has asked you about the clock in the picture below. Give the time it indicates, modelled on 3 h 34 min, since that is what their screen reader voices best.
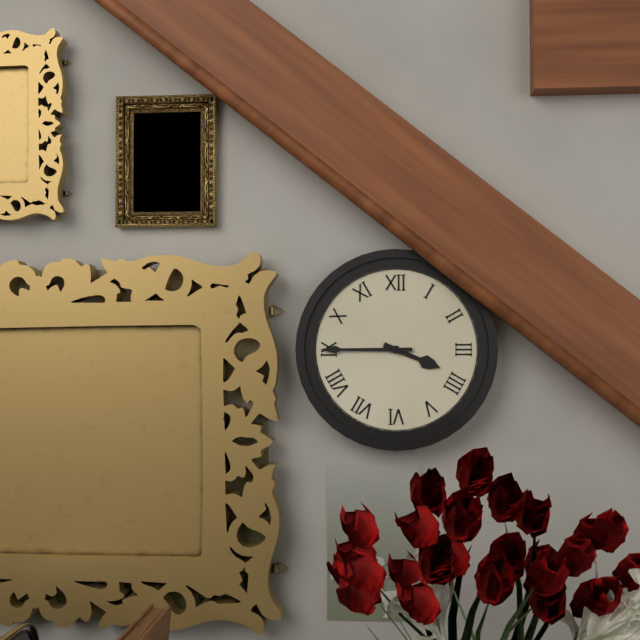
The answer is 3 h 45 min
